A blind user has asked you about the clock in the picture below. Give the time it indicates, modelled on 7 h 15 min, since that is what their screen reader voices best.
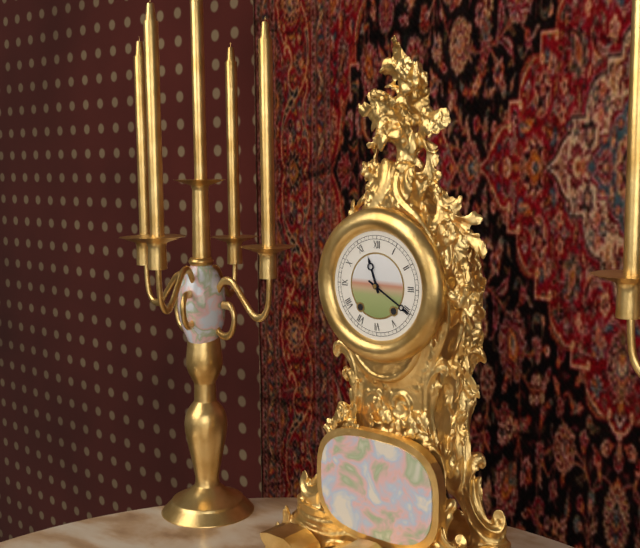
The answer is 11 h 20 min
